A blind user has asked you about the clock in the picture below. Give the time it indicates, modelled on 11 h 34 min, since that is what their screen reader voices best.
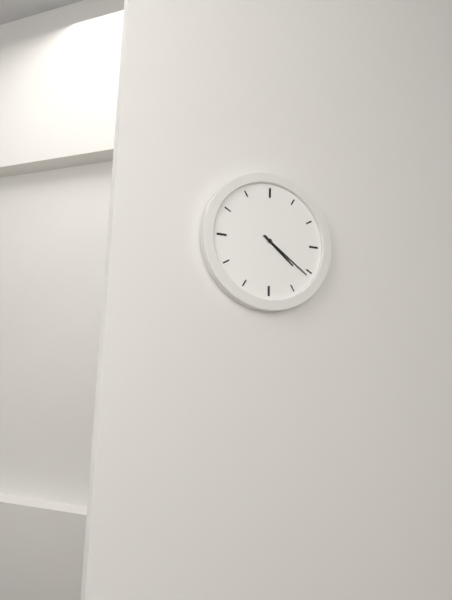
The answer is 4 h 21 min
